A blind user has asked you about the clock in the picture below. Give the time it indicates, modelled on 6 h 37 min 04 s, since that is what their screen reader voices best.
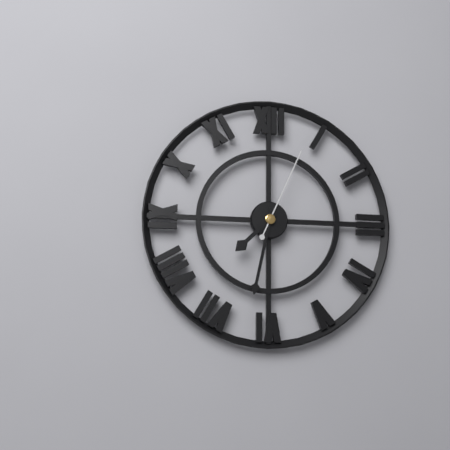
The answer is 7 h 32 min 04 s
